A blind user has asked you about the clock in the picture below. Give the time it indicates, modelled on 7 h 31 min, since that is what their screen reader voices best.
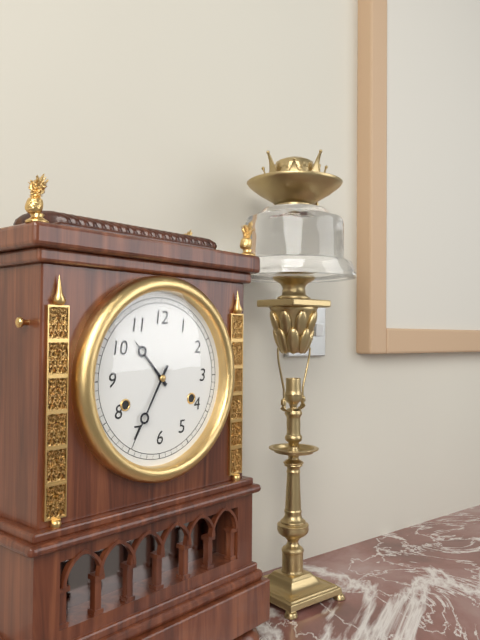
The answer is 10 h 35 min
